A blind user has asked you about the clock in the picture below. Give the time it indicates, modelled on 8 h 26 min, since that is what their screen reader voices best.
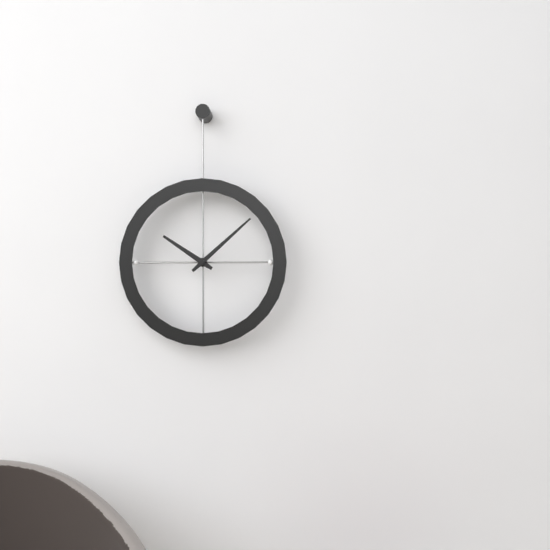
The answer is 10 h 08 min
